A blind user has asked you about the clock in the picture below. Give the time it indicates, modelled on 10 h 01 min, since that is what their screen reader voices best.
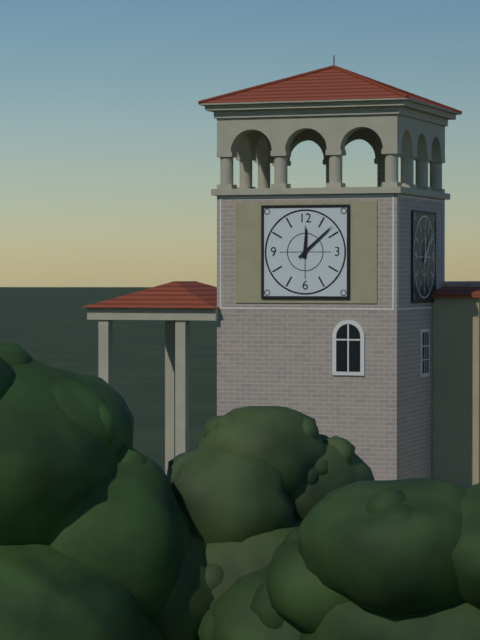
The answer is 12 h 08 min
